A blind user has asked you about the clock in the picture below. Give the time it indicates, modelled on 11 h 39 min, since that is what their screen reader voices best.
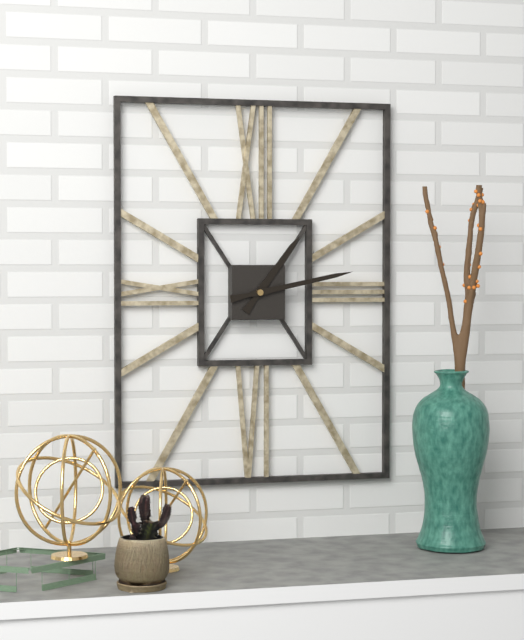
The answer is 1 h 13 min
